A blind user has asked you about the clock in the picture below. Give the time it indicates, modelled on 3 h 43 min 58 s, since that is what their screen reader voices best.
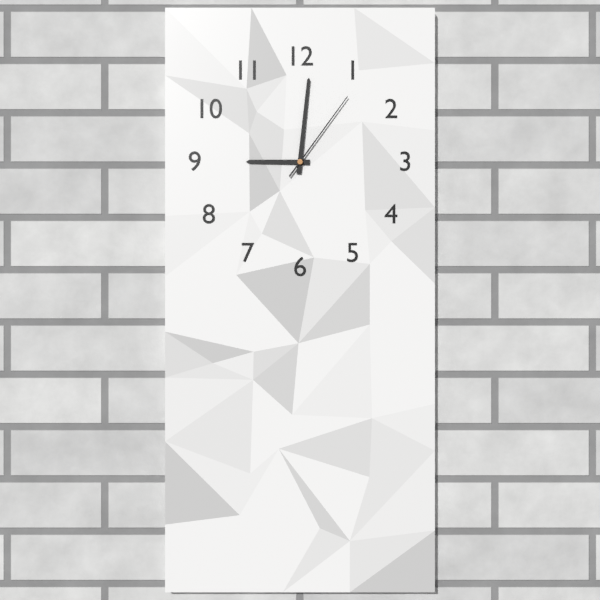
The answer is 9 h 01 min 06 s
